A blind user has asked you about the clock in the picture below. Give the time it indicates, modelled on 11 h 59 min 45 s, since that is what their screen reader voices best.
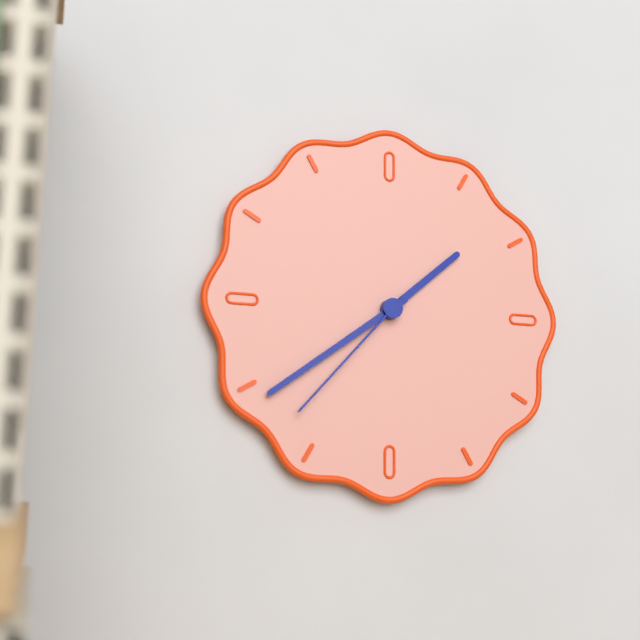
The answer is 1 h 39 min 37 s
